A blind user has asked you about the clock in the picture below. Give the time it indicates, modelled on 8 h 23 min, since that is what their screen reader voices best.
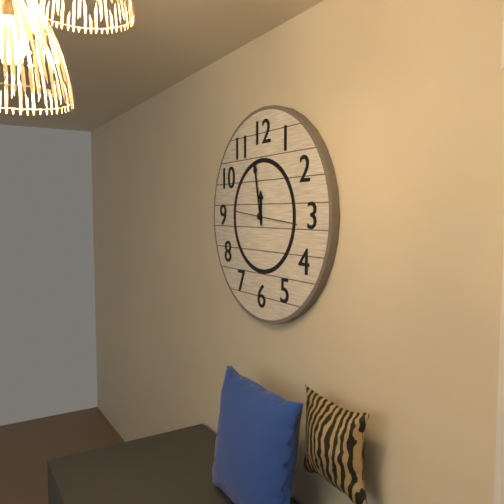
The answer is 11 h 58 min
